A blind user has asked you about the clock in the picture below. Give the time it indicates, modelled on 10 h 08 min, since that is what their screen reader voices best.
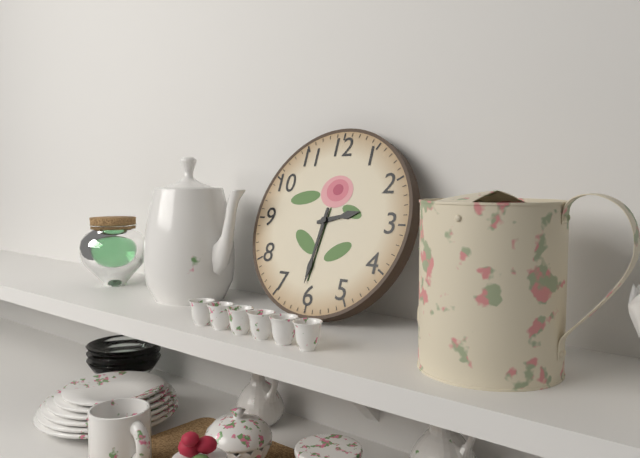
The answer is 2 h 31 min
